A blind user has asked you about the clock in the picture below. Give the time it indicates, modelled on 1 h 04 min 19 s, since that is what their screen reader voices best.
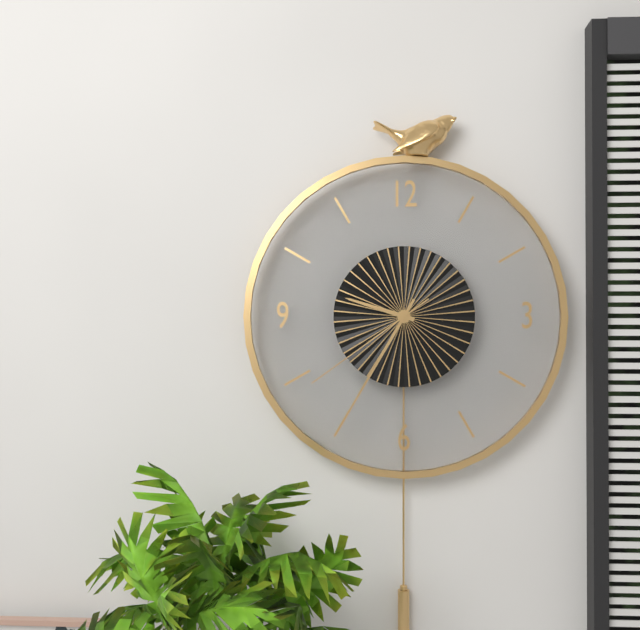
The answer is 9 h 35 min 39 s
